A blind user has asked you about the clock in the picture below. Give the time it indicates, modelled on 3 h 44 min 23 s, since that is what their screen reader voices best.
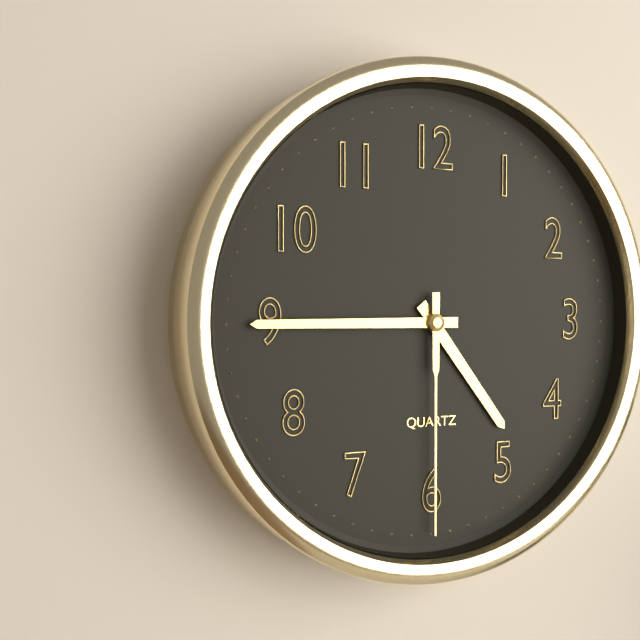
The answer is 4 h 45 min 30 s
